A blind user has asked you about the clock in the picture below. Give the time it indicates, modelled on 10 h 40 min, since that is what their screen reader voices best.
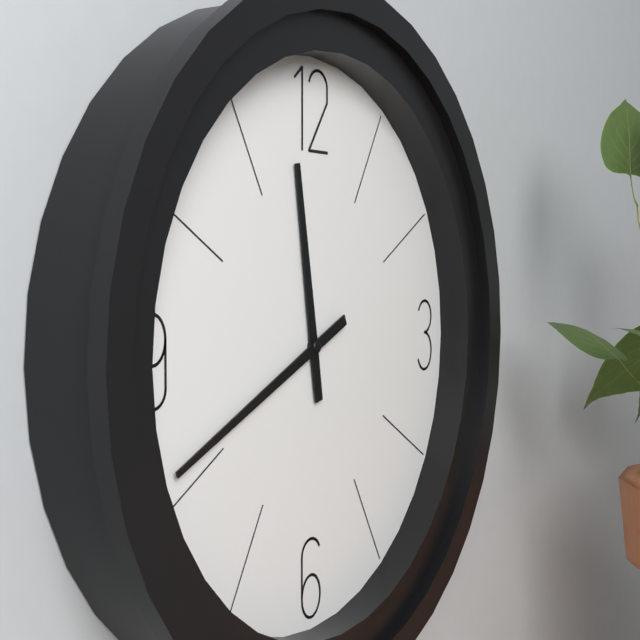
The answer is 11 h 41 min
